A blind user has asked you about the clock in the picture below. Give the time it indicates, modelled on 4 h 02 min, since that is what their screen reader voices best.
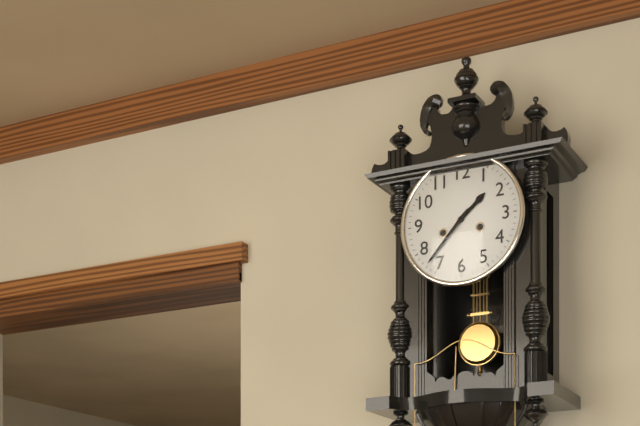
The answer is 1 h 37 min
